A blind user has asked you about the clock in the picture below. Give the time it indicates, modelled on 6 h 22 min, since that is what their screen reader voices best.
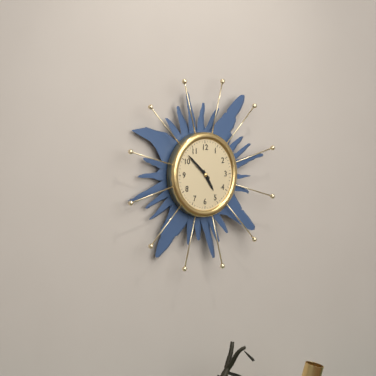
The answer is 4 h 52 min
